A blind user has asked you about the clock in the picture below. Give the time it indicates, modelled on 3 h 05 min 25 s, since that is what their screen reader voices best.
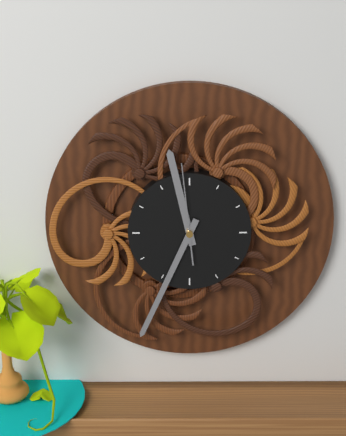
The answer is 11 h 34 min 59 s
